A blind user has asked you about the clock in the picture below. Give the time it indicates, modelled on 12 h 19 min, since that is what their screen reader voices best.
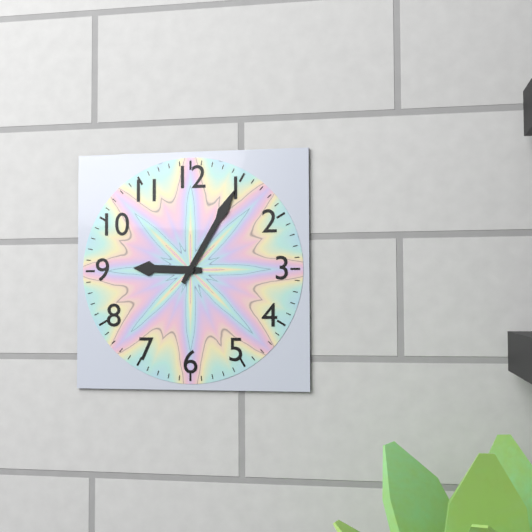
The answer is 9 h 05 min
